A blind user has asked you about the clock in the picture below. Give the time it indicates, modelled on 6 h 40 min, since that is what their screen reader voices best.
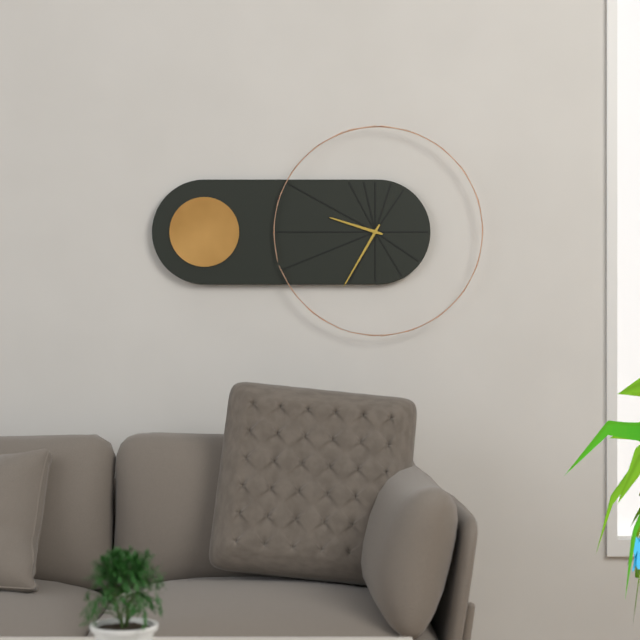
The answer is 9 h 35 min
